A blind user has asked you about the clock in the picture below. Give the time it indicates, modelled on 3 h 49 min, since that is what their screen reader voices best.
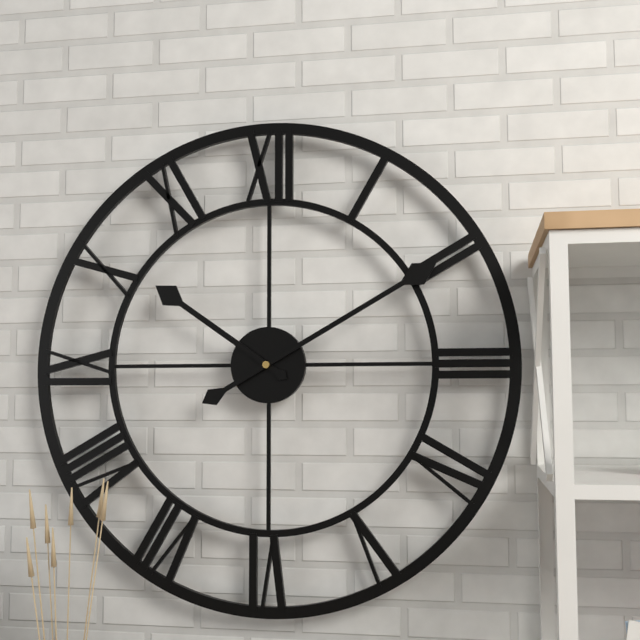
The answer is 10 h 10 min
